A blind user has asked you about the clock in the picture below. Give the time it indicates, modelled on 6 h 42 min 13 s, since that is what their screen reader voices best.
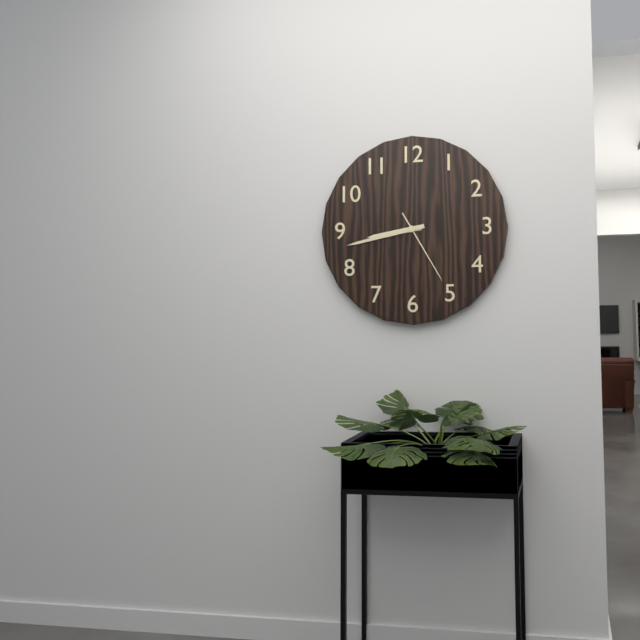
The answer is 8 h 43 min 25 s
